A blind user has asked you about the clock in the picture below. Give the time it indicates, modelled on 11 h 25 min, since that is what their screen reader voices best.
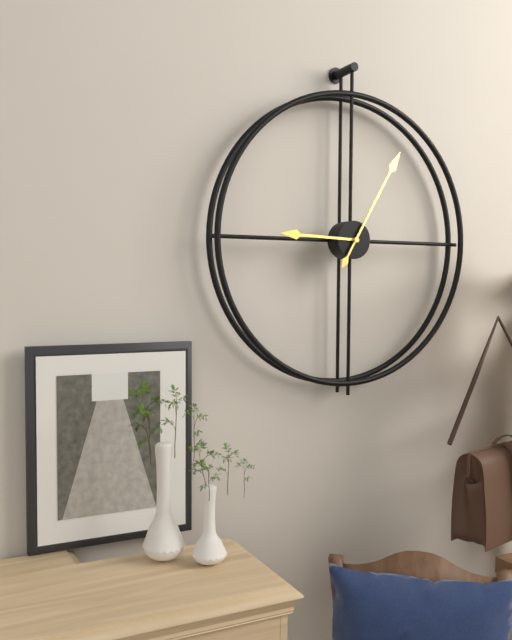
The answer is 9 h 05 min
